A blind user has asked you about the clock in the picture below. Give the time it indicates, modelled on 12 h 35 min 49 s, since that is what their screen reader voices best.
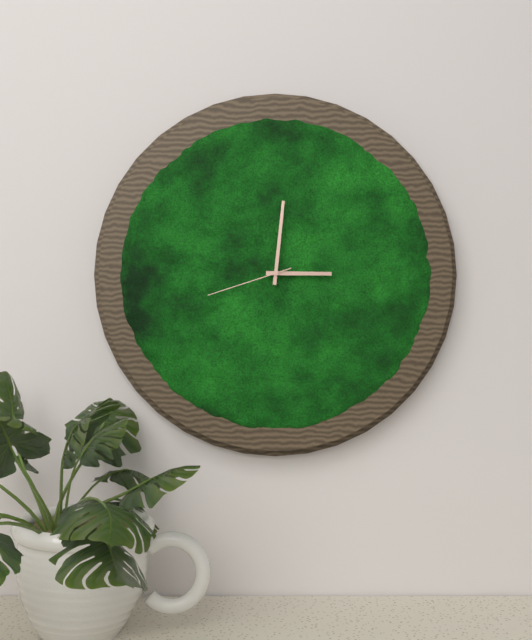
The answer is 3 h 01 min 42 s
